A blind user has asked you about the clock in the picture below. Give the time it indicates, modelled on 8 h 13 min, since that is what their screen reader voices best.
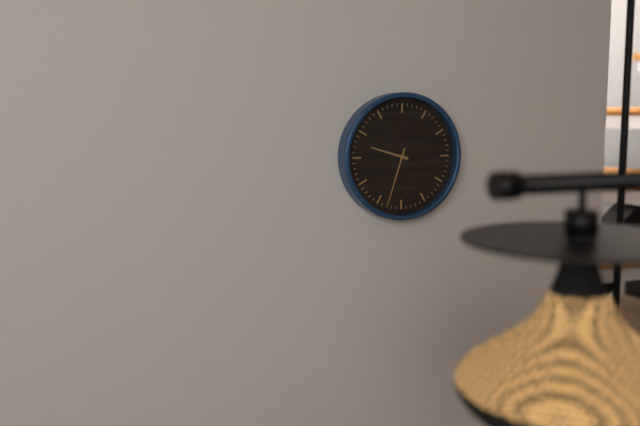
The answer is 9 h 33 min
